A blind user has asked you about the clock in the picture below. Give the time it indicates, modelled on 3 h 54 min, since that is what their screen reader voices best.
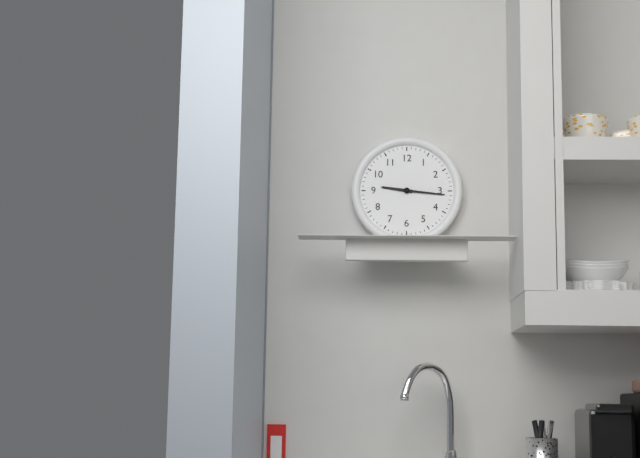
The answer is 9 h 16 min
